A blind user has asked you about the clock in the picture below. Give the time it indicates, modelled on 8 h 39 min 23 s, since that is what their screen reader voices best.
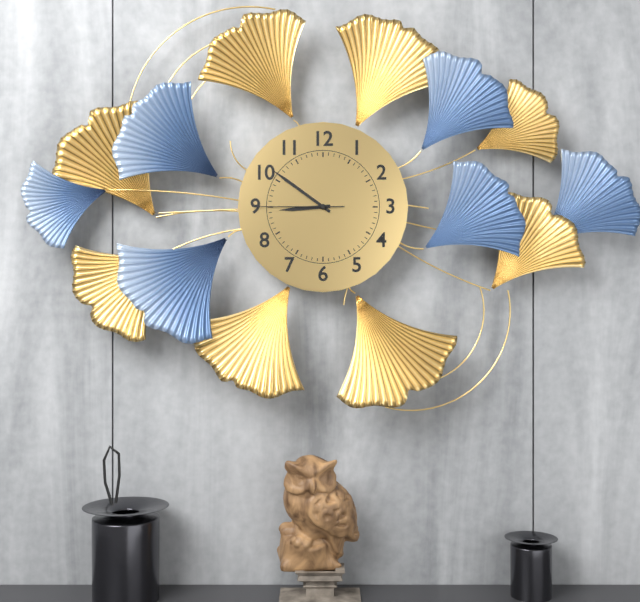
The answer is 8 h 51 min 45 s
